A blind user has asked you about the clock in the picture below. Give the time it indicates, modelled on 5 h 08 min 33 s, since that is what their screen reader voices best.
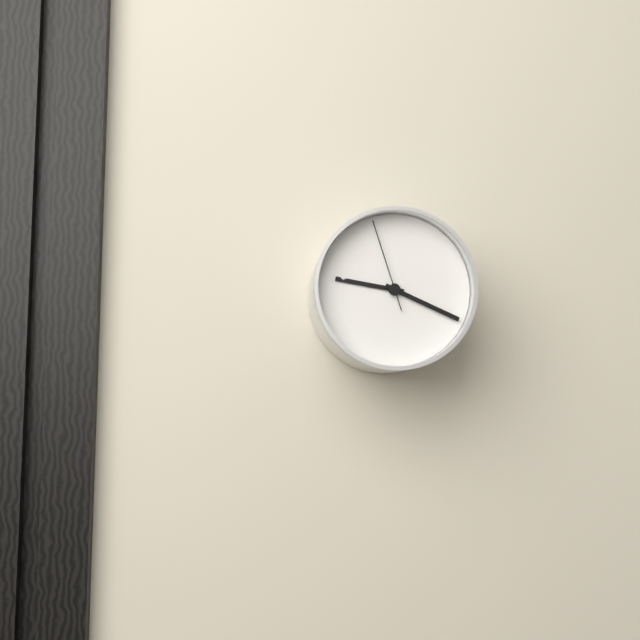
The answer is 9 h 19 min 57 s
